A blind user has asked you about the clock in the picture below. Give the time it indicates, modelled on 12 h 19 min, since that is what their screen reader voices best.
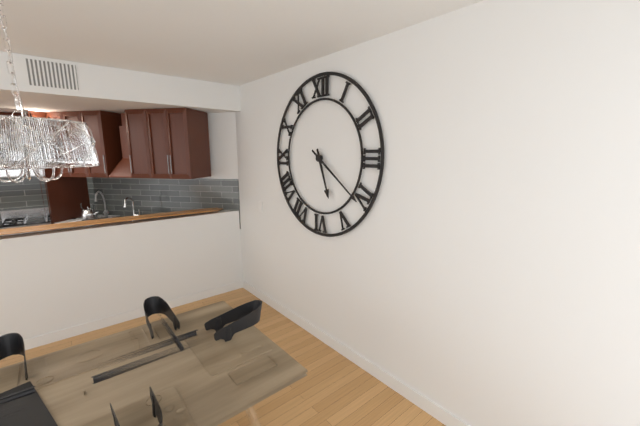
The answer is 5 h 21 min
